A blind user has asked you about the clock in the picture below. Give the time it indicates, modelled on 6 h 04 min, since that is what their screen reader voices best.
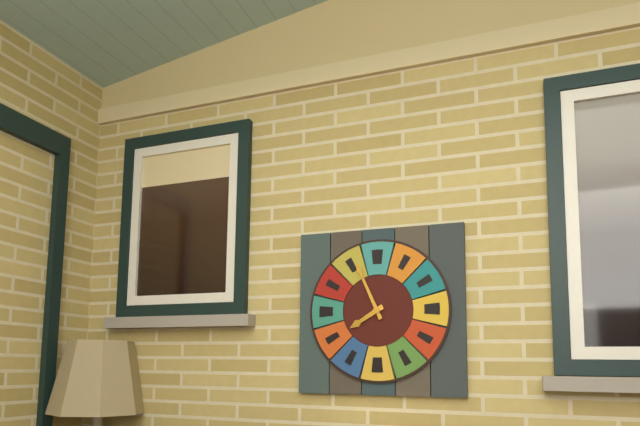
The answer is 7 h 56 min
